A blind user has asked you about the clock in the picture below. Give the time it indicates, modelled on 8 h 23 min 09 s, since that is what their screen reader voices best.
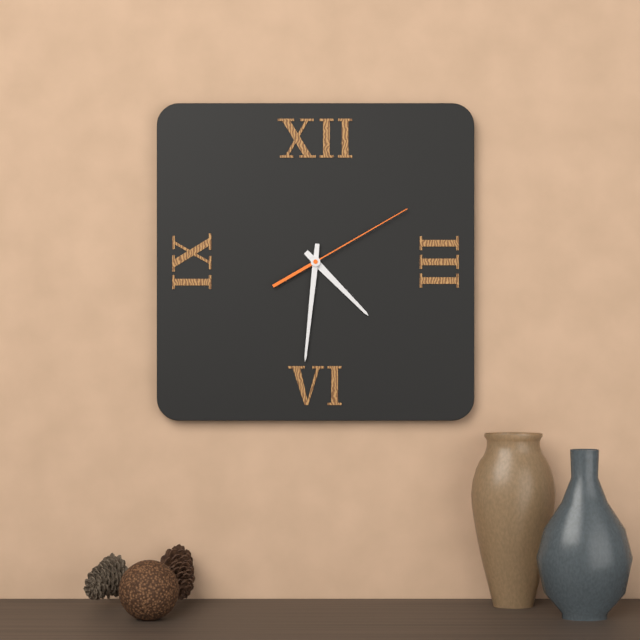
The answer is 4 h 31 min 10 s
